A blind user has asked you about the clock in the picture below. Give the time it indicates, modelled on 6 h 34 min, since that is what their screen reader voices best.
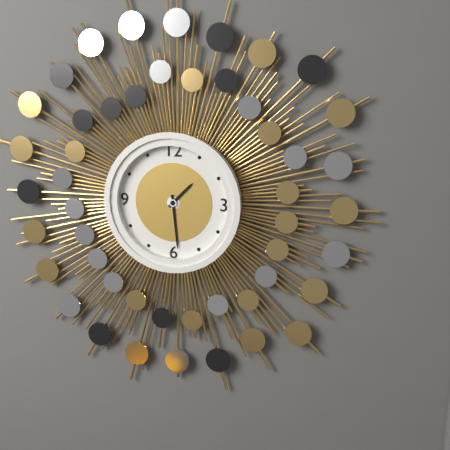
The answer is 1 h 29 min
